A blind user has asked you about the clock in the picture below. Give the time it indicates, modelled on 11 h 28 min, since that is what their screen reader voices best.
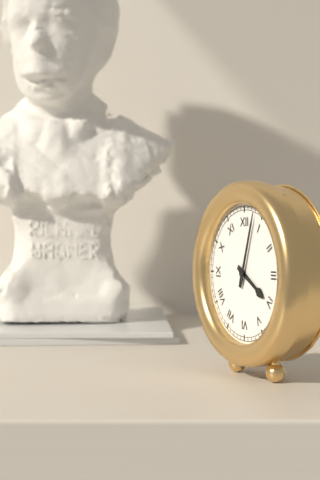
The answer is 4 h 03 min
